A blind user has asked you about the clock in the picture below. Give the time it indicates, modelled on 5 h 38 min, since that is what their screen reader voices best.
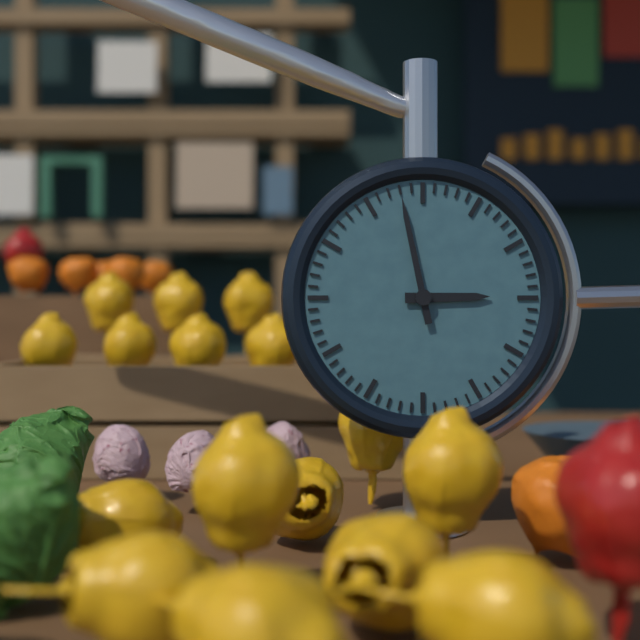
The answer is 2 h 58 min
